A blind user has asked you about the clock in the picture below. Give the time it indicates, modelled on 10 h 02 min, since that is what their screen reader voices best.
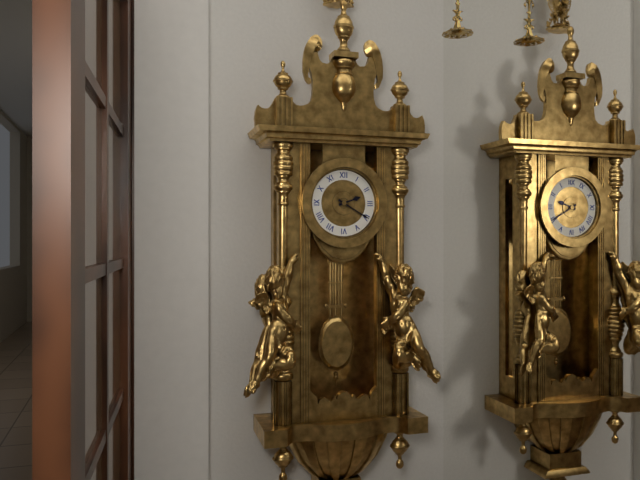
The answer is 2 h 20 min
